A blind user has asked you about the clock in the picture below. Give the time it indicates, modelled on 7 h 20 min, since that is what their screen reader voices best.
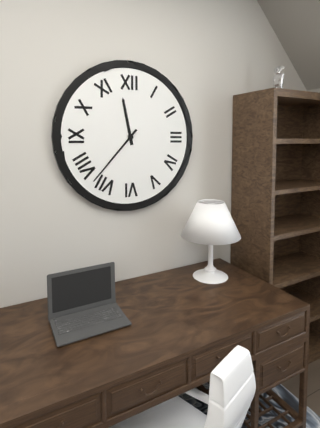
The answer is 11 h 37 min
